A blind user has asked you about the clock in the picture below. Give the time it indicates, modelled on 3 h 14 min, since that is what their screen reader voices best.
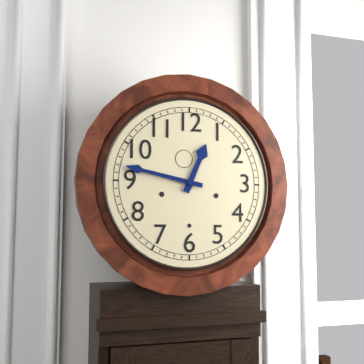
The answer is 12 h 47 min
